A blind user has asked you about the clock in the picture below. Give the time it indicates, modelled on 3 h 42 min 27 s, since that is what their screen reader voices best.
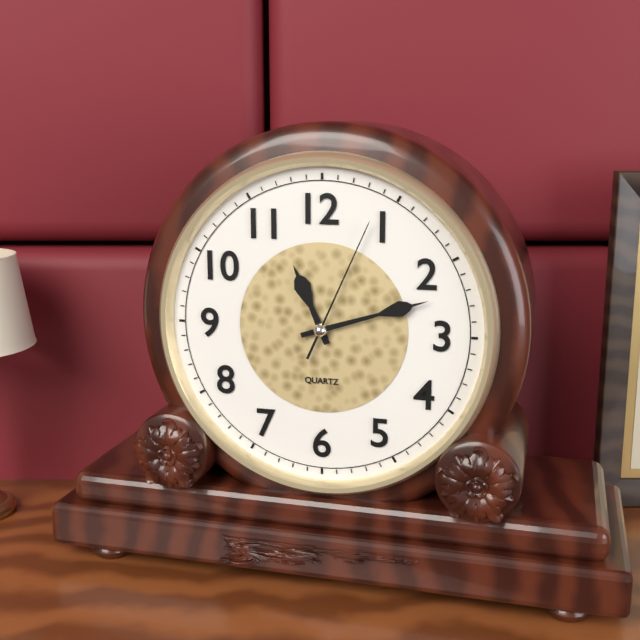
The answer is 11 h 12 min 04 s
